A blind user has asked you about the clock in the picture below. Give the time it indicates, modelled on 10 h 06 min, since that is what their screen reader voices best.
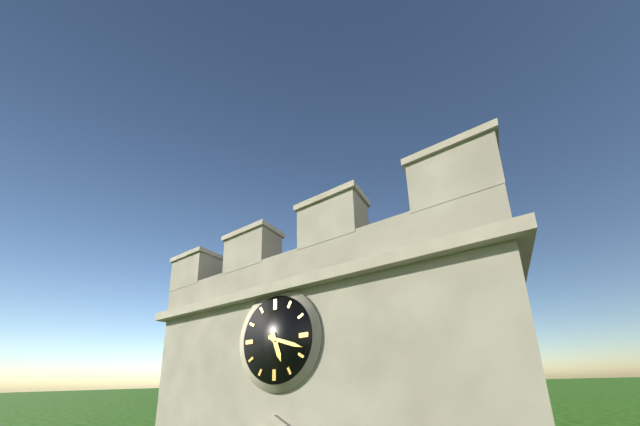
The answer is 5 h 18 min
